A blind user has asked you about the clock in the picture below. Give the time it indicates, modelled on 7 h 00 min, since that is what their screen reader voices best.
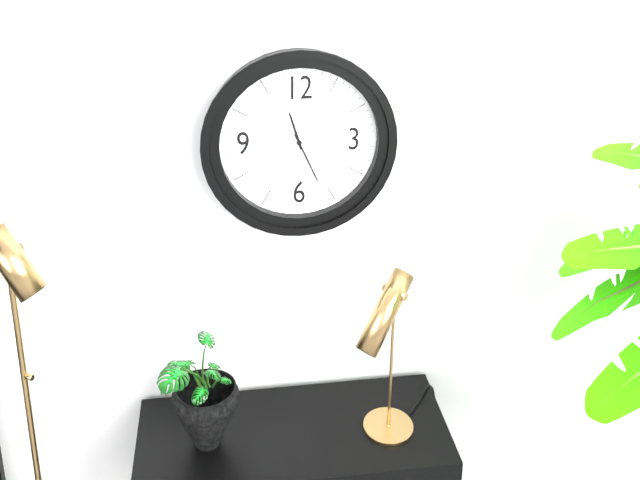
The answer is 11 h 26 min
